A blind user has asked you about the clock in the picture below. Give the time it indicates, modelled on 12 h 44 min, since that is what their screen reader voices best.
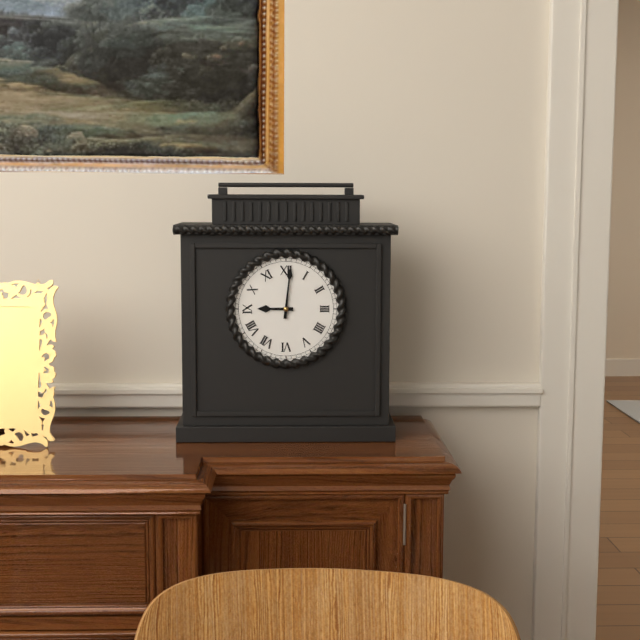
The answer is 9 h 01 min
